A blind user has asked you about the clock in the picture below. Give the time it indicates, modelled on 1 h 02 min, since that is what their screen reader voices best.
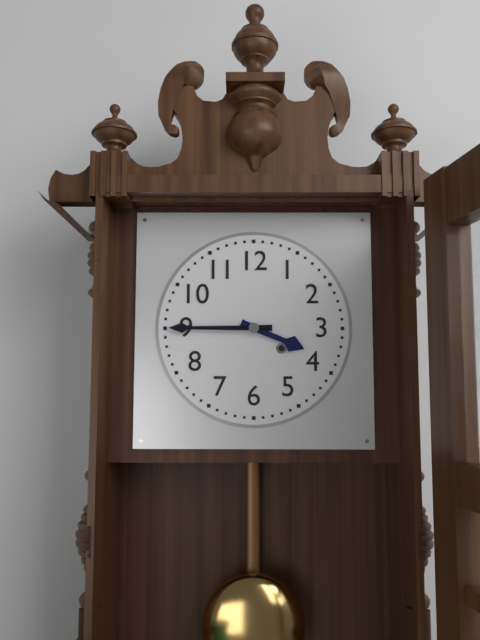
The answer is 3 h 45 min
